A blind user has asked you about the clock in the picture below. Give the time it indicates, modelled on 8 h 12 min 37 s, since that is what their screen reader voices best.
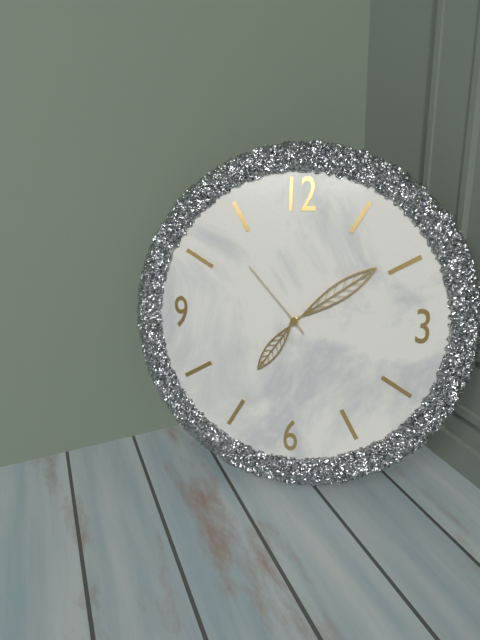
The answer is 7 h 09 min 53 s
